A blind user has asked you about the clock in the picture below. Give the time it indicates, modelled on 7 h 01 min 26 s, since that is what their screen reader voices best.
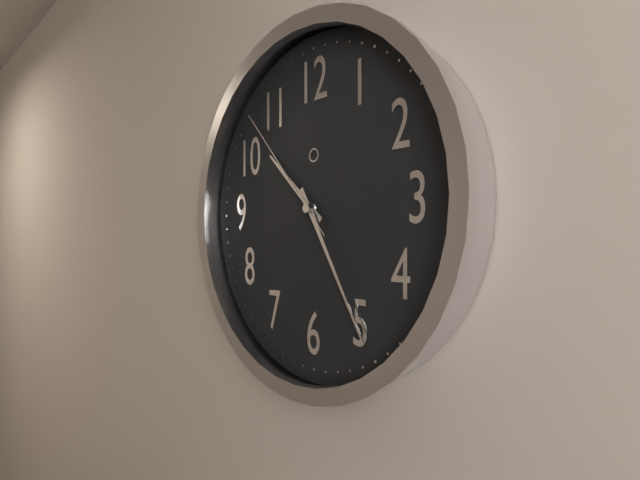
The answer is 10 h 25 min 53 s
